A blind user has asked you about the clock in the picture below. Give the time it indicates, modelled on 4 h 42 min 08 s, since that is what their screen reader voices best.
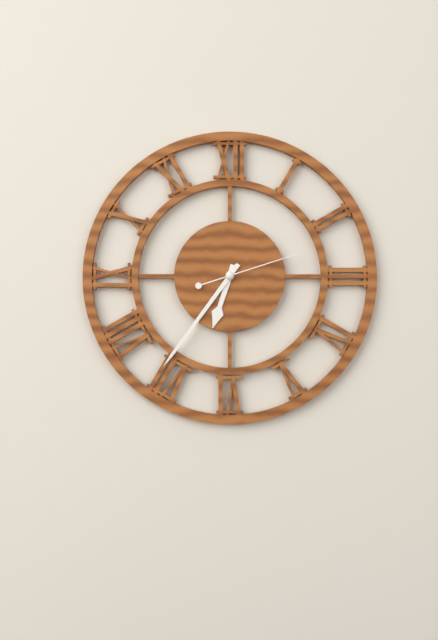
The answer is 6 h 36 min 12 s
